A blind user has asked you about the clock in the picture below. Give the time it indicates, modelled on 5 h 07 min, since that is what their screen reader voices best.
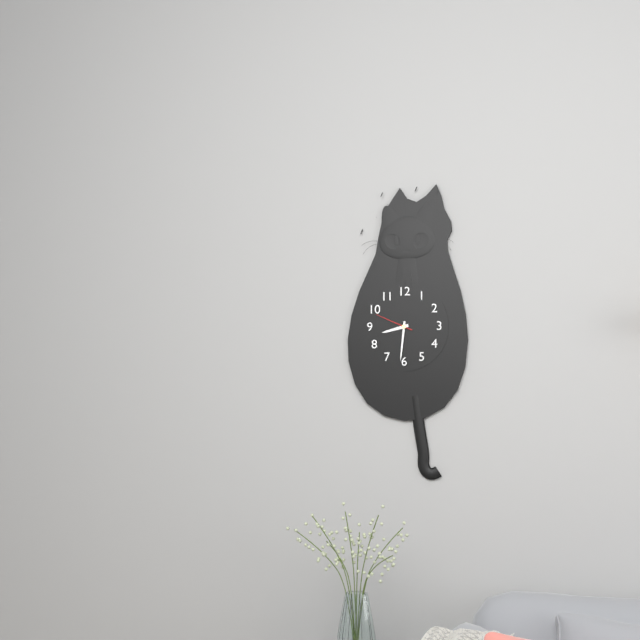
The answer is 8 h 31 min
